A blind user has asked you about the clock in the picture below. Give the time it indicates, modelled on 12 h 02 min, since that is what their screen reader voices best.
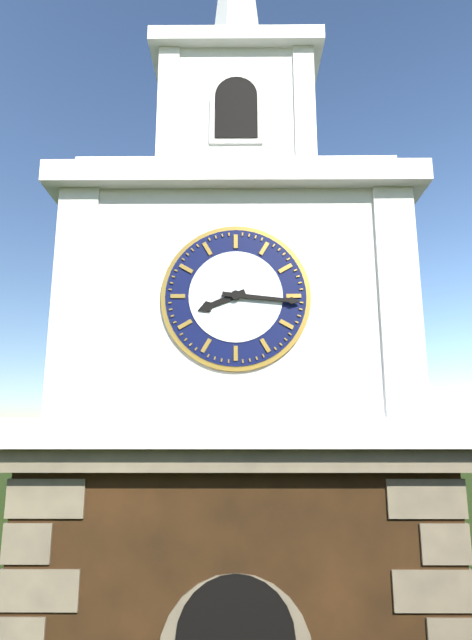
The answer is 8 h 16 min
